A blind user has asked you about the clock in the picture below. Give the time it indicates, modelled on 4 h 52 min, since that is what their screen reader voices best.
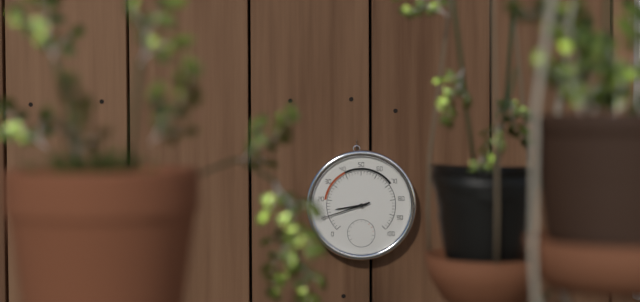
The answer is 8 h 42 min
